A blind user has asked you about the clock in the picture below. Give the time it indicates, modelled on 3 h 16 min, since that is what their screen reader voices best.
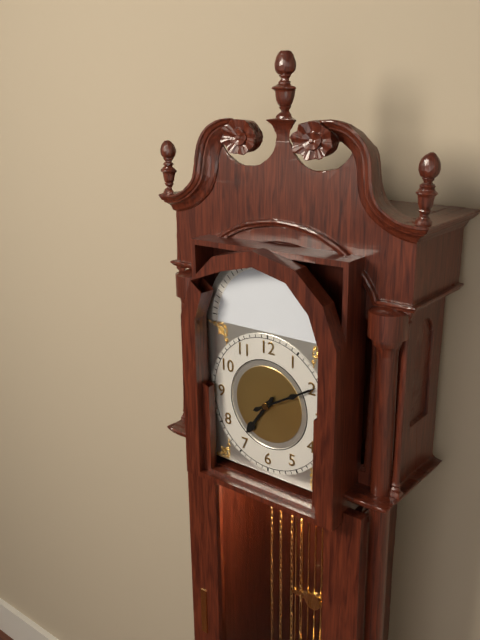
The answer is 7 h 10 min
